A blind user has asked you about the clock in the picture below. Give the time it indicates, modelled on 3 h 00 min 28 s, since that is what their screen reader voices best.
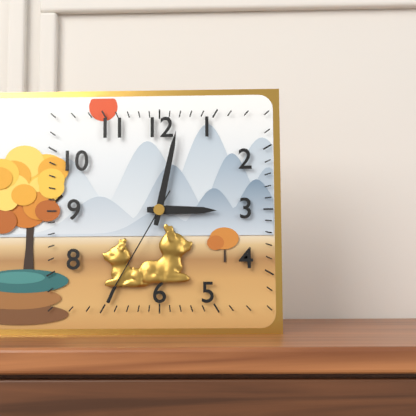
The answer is 3 h 02 min 35 s
